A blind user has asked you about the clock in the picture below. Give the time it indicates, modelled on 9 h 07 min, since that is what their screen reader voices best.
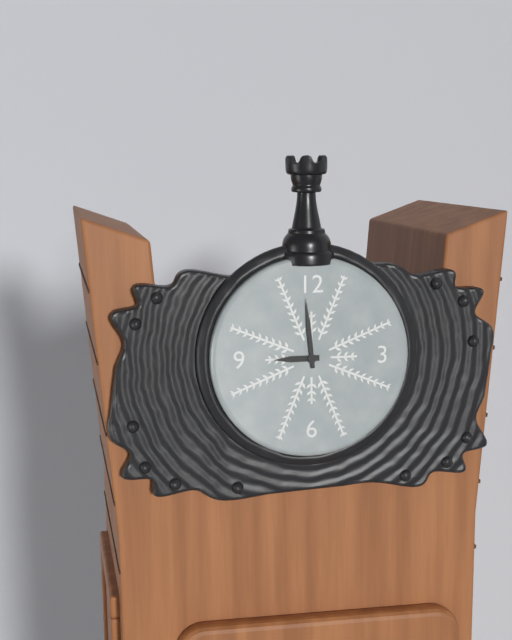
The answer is 8 h 59 min
